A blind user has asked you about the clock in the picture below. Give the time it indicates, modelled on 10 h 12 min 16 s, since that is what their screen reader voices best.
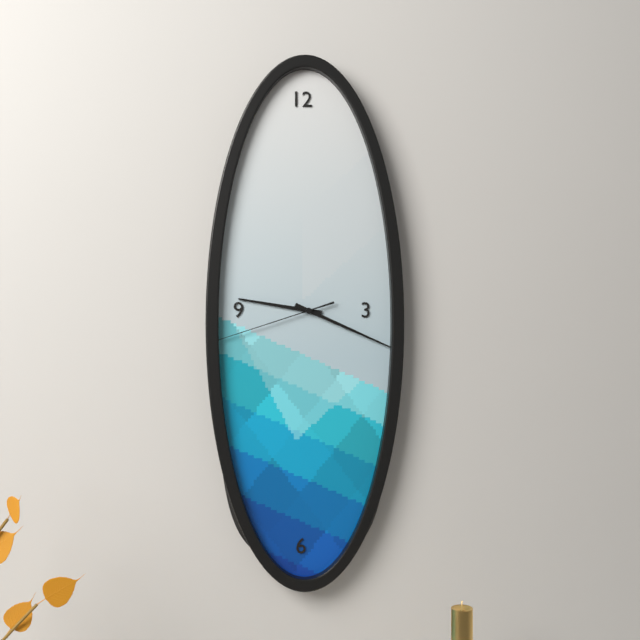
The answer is 9 h 19 min 42 s
